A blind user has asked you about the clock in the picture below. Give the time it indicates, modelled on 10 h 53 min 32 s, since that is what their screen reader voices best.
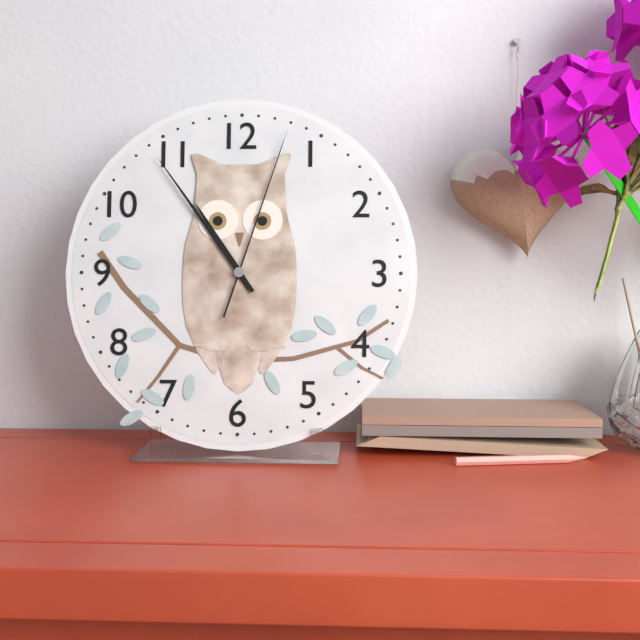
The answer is 10 h 54 min 03 s
